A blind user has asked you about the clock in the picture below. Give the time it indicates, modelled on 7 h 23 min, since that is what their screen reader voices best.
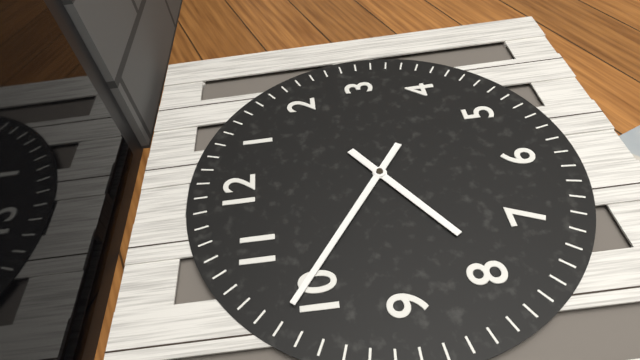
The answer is 7 h 51 min
